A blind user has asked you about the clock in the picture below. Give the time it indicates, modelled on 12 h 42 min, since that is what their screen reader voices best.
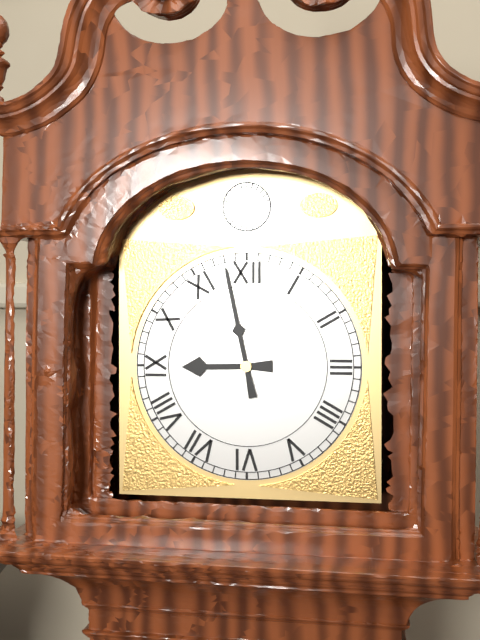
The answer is 8 h 58 min
